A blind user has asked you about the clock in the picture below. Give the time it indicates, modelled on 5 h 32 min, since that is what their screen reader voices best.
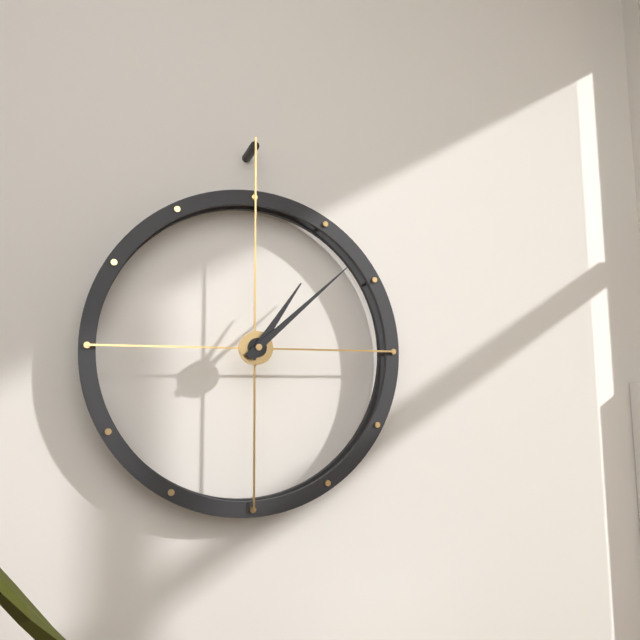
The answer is 1 h 08 min
